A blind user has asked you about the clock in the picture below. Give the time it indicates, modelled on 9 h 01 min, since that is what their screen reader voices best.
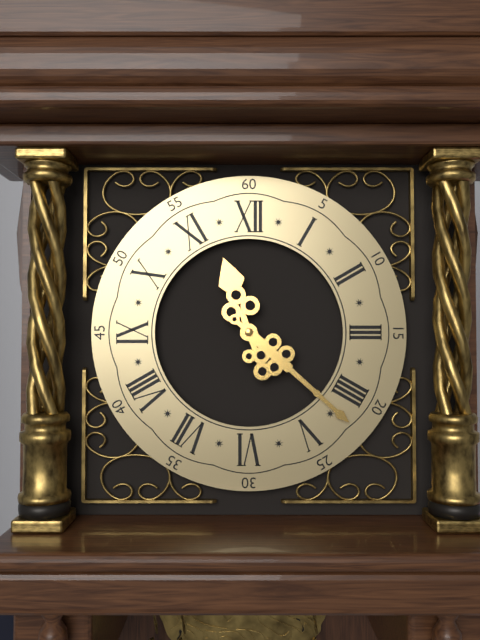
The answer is 11 h 22 min
